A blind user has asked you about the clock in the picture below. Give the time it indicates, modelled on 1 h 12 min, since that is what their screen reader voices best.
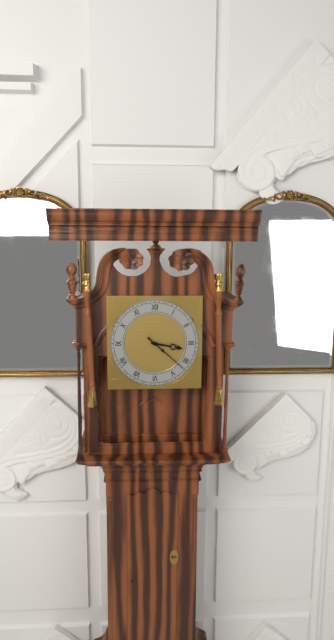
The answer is 3 h 22 min
